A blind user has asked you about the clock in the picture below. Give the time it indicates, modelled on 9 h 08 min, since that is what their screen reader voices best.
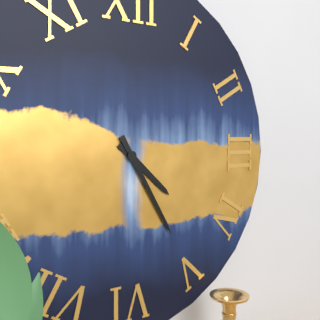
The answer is 4 h 25 min
